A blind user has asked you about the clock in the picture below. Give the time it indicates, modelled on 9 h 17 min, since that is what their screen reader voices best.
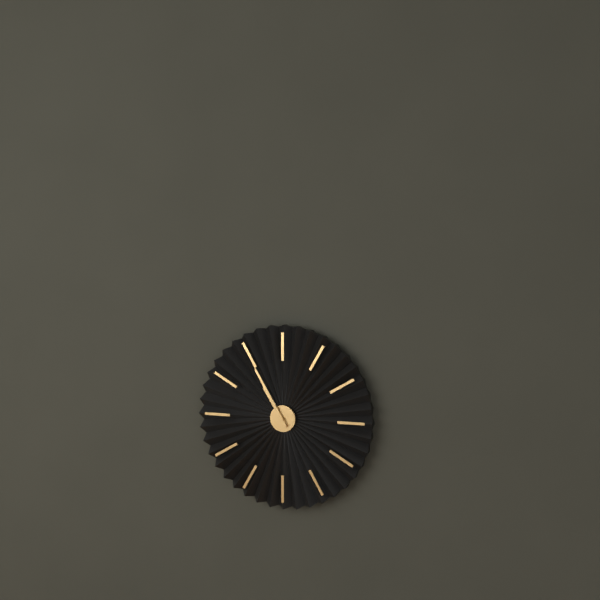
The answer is 10 h 55 min
